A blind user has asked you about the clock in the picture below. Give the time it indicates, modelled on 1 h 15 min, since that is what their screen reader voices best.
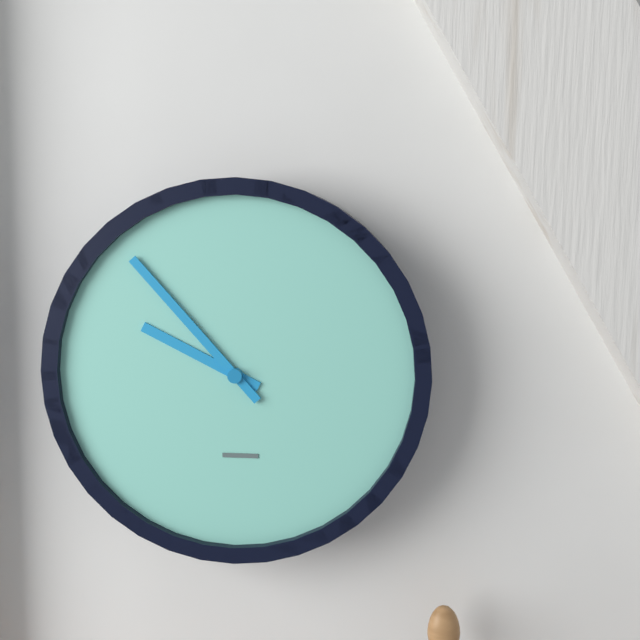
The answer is 9 h 53 min
